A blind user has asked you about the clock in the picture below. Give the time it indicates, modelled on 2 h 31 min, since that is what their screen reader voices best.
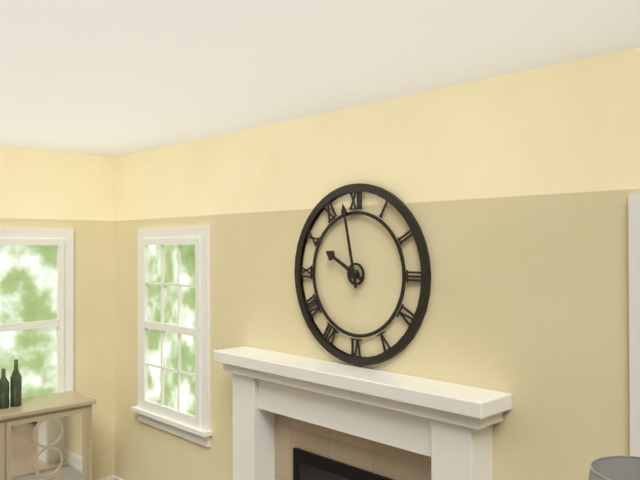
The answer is 9 h 58 min
